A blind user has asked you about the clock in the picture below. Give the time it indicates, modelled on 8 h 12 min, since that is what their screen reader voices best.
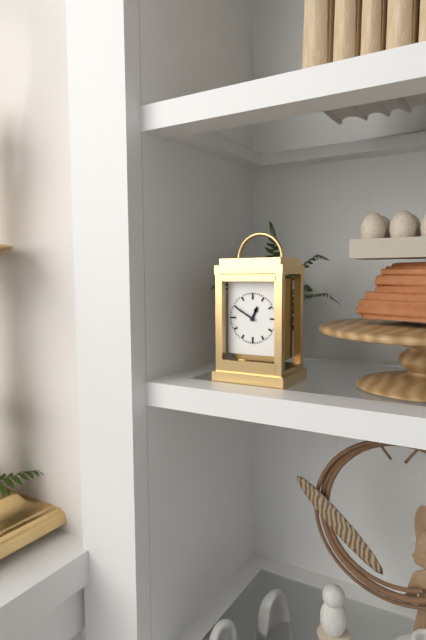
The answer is 12 h 50 min
